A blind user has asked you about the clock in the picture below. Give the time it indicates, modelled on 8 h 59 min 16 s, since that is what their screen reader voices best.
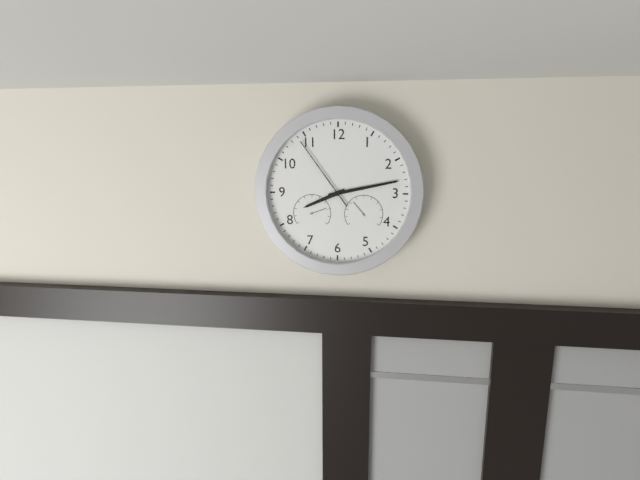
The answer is 8 h 13 min 54 s
